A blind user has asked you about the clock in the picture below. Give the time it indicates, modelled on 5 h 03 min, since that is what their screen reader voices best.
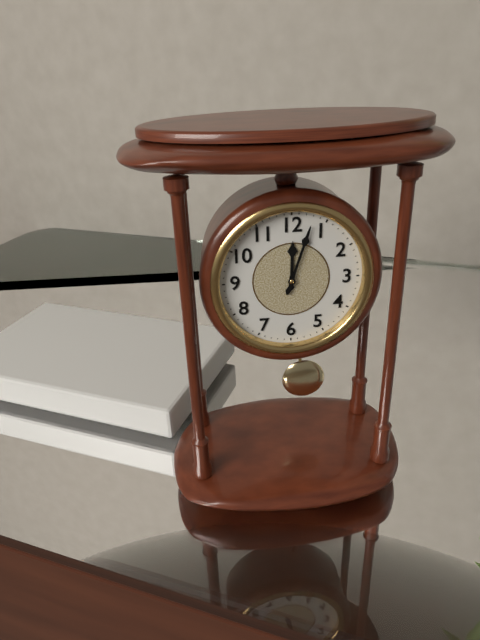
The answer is 12 h 03 min
